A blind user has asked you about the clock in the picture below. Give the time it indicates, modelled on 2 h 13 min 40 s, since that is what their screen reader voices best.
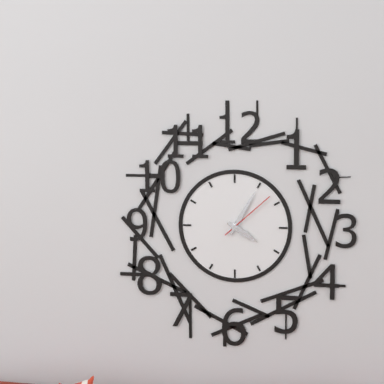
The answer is 4 h 05 min 08 s
